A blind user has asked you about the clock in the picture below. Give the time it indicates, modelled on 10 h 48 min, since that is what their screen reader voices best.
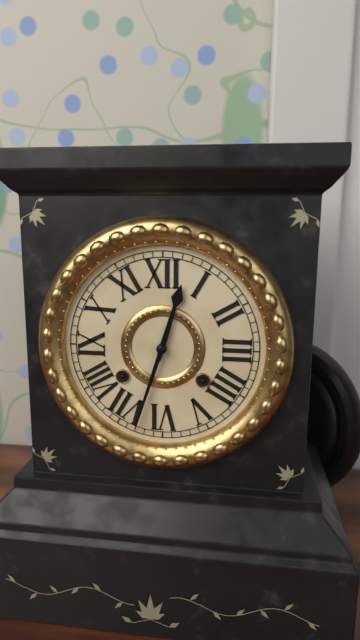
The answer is 12 h 33 min
